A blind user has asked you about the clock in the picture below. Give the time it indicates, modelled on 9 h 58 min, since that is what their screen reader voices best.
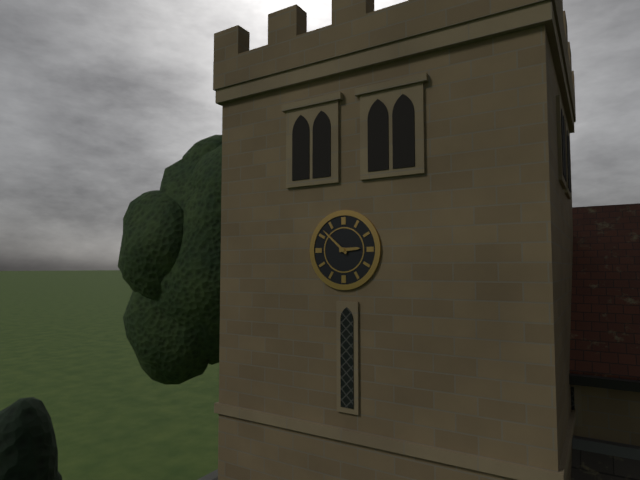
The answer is 2 h 52 min
